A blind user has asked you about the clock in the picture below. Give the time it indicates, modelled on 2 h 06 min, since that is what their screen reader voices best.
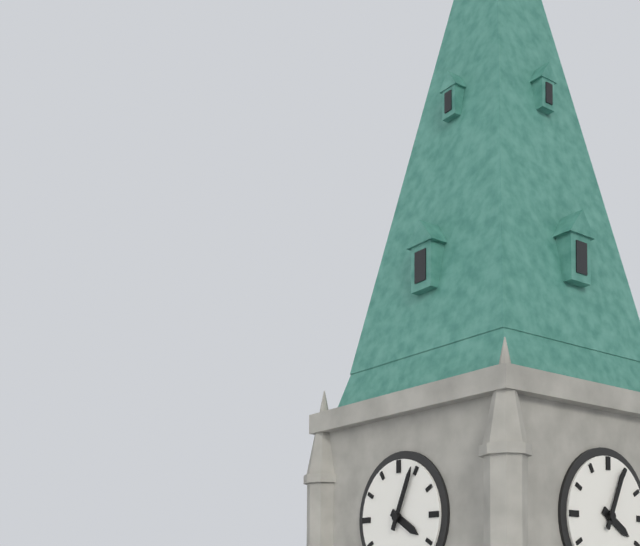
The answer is 4 h 04 min
